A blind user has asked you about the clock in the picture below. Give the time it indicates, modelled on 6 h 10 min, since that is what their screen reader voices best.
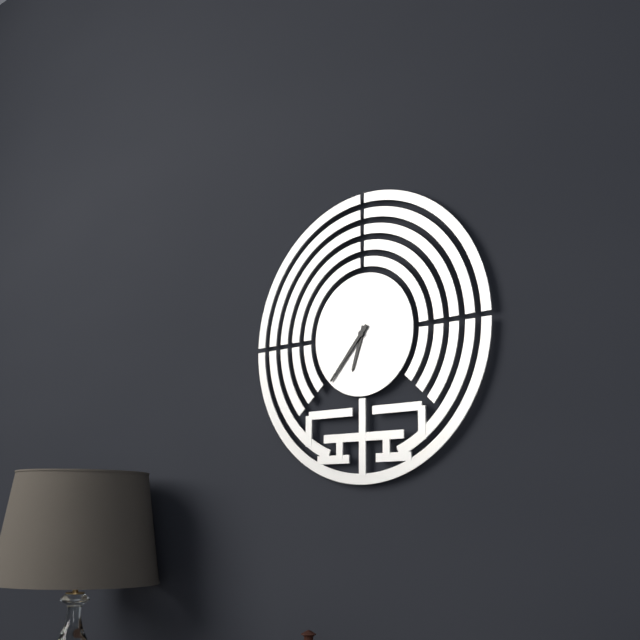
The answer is 6 h 37 min
